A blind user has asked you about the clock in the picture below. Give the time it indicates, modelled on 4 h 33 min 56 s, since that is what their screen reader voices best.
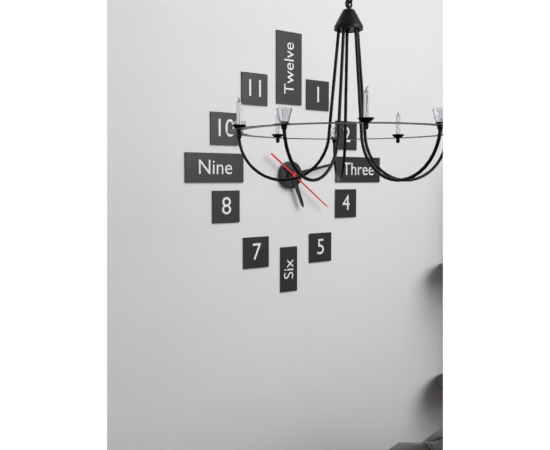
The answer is 5 h 13 min 21 s
